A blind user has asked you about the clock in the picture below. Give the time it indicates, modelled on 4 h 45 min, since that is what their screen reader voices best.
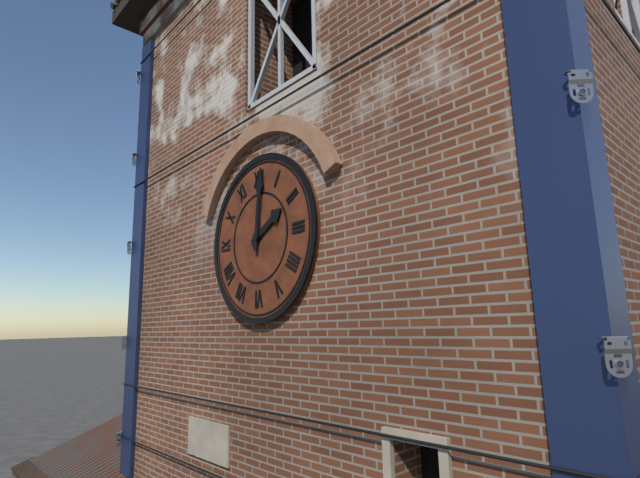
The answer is 2 h 01 min
